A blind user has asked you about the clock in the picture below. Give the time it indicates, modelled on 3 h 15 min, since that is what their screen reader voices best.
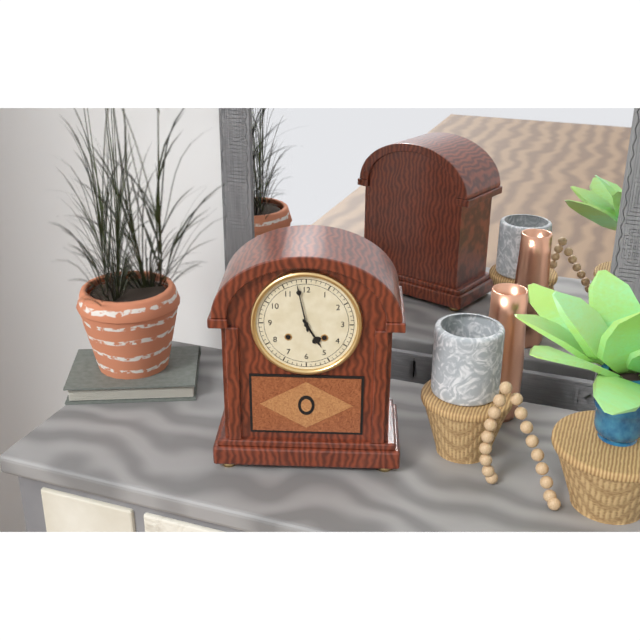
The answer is 4 h 58 min
